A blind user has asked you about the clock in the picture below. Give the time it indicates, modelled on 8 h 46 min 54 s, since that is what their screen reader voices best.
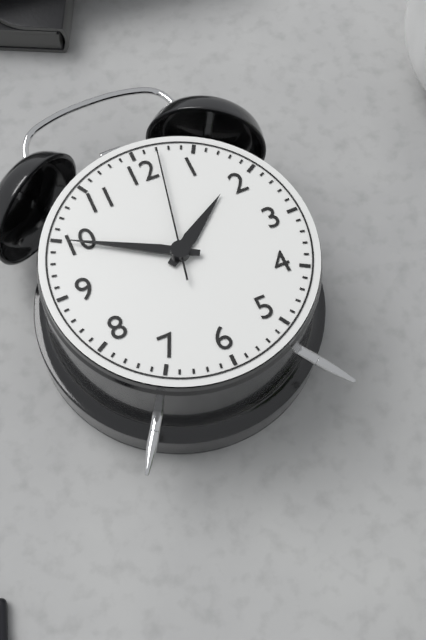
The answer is 1 h 50 min 02 s
